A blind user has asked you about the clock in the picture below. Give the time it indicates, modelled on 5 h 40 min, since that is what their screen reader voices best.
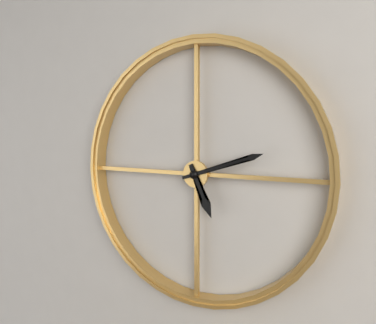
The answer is 5 h 12 min
